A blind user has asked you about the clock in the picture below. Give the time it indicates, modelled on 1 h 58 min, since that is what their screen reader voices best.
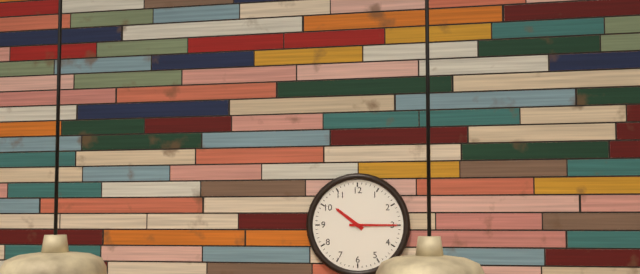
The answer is 10 h 15 min
